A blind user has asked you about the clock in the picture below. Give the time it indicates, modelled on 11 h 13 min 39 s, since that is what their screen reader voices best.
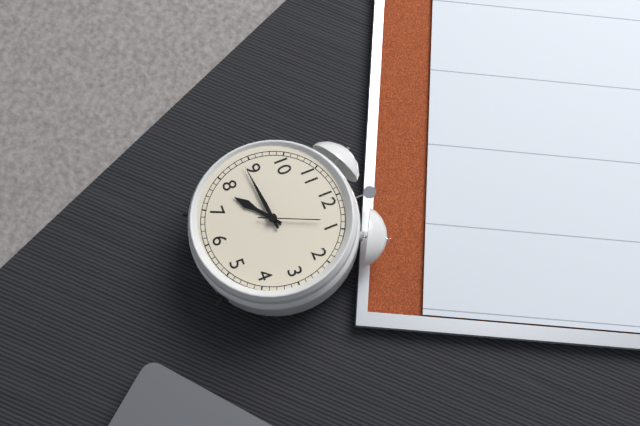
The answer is 7 h 44 min 04 s
